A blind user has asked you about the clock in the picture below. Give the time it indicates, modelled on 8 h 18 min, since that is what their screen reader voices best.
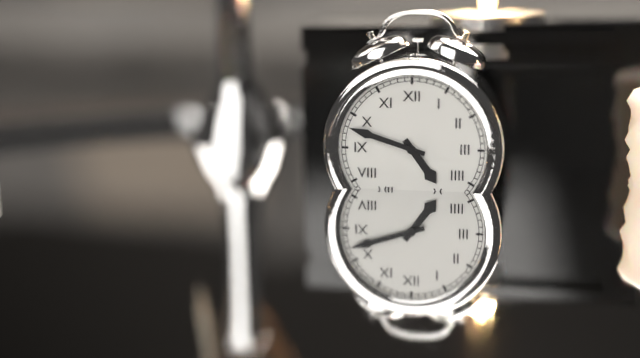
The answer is 4 h 48 min
